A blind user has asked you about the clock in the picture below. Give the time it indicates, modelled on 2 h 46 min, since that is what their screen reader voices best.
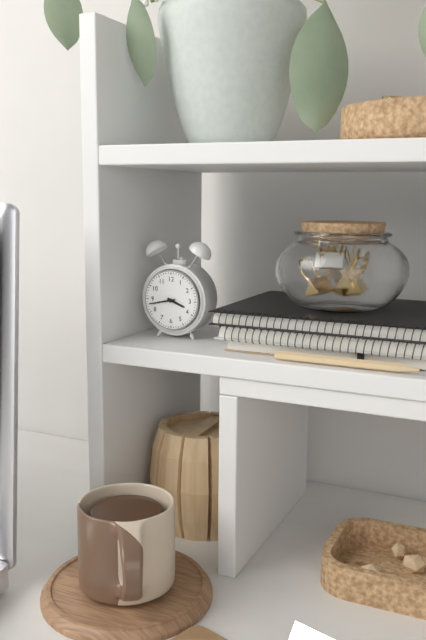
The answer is 3 h 43 min
